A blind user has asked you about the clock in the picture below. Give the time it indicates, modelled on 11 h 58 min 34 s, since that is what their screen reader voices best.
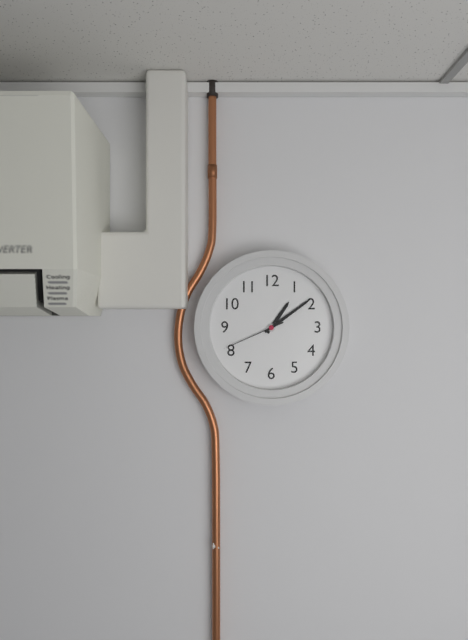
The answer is 1 h 09 min 41 s
